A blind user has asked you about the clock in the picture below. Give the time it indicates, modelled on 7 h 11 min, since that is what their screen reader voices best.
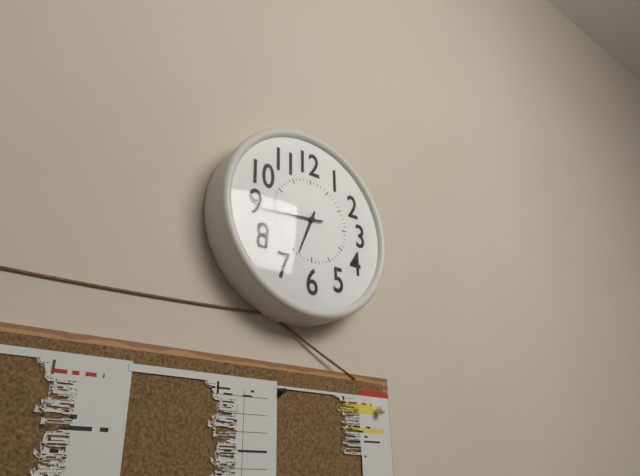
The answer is 6 h 44 min
